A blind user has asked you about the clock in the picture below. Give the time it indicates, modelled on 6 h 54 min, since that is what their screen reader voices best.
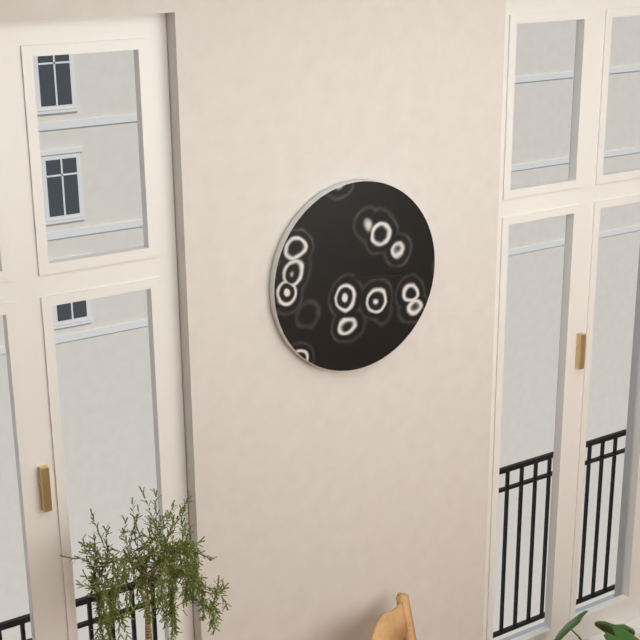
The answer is 3 h 16 min
